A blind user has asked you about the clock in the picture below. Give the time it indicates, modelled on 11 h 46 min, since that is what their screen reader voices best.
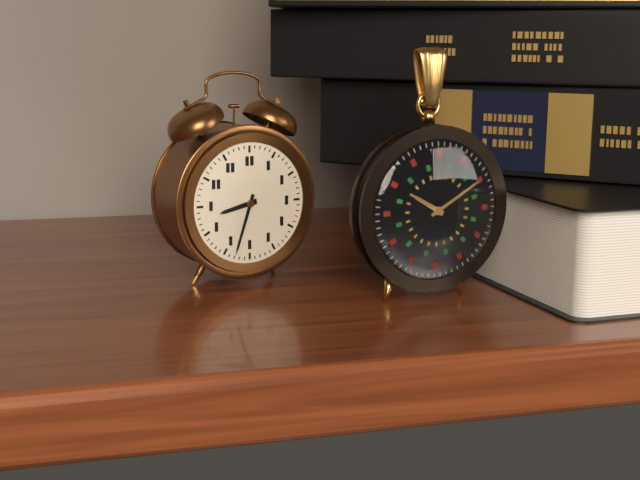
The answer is 8 h 33 min
